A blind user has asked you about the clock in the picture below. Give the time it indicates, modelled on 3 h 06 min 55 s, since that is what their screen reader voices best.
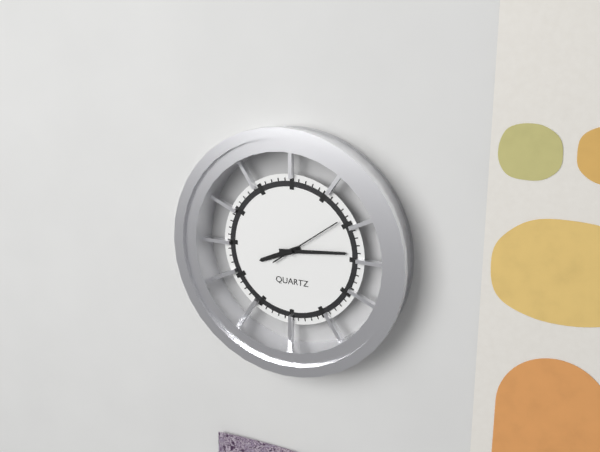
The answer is 8 h 14 min 09 s
